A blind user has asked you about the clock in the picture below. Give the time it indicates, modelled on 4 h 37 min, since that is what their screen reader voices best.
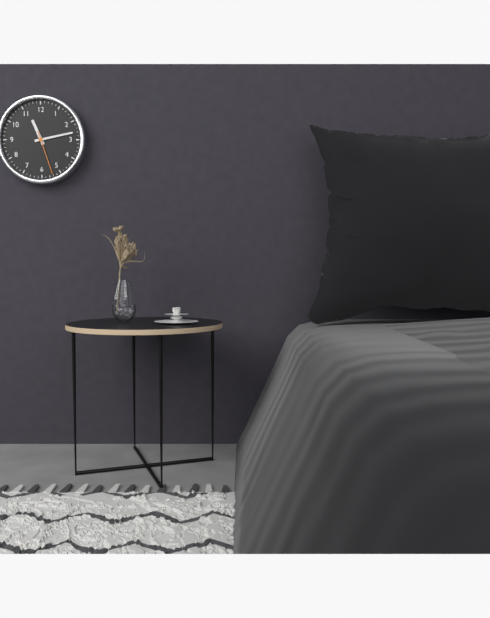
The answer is 11 h 13 min
